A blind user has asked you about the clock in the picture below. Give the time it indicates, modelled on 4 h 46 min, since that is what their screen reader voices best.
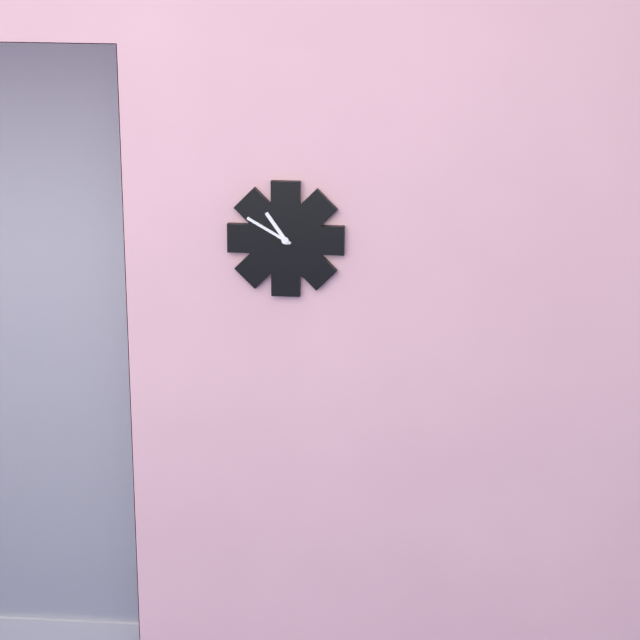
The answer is 10 h 50 min
